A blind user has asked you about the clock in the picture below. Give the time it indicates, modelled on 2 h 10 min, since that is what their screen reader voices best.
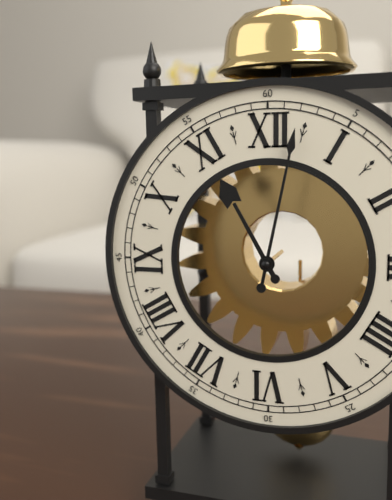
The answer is 11 h 02 min
